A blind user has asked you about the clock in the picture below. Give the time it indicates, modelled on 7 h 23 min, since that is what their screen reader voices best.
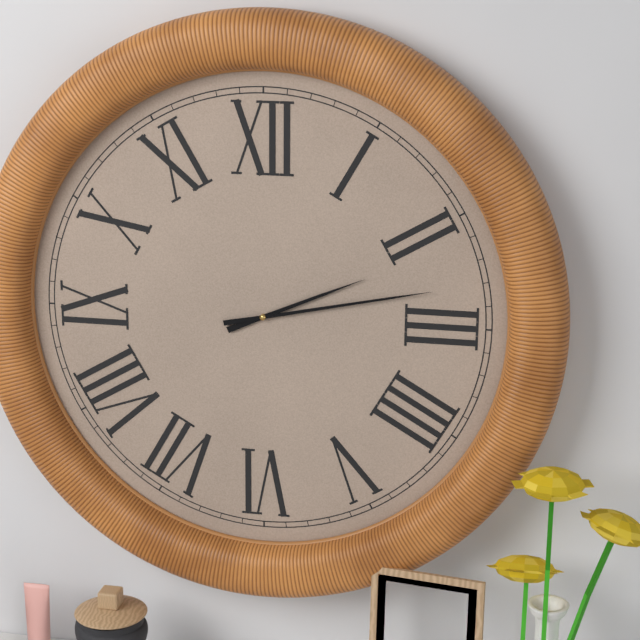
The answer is 2 h 13 min
